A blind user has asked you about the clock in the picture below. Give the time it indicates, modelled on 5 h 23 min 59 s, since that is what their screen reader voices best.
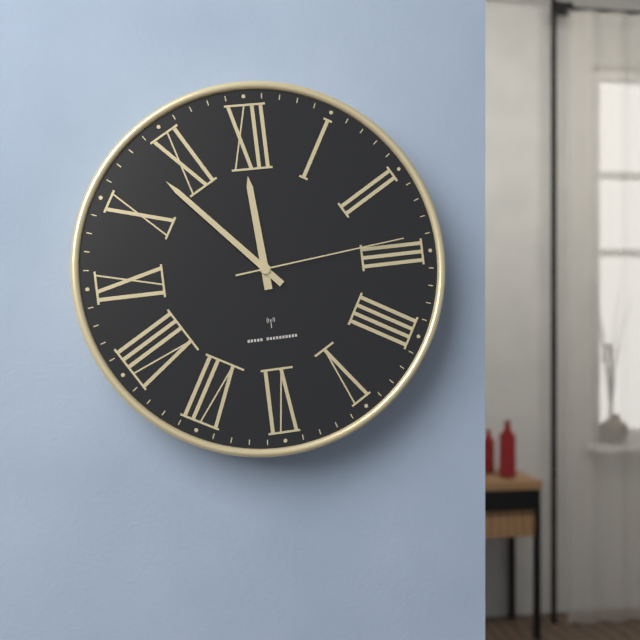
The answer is 11 h 53 min 14 s
